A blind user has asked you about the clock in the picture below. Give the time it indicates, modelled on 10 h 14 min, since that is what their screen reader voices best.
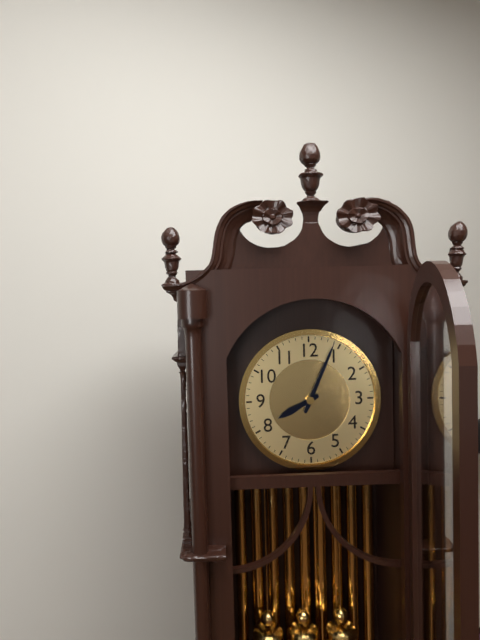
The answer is 8 h 04 min
